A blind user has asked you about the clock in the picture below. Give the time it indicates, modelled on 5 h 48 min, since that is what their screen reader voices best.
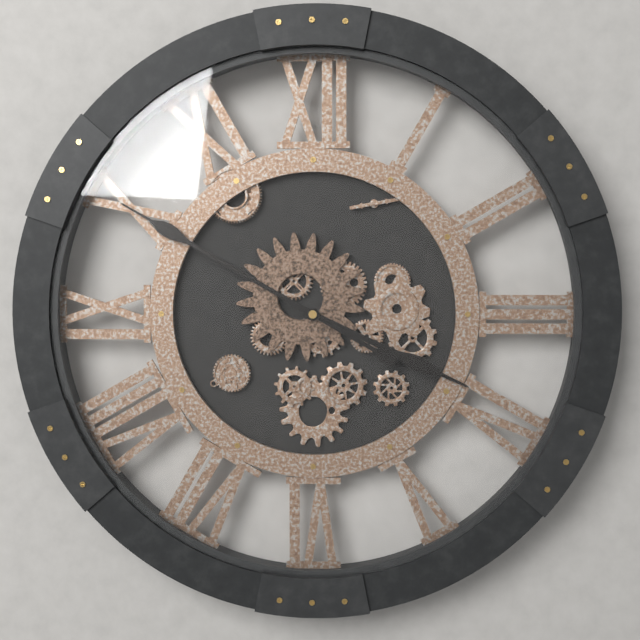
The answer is 3 h 50 min
